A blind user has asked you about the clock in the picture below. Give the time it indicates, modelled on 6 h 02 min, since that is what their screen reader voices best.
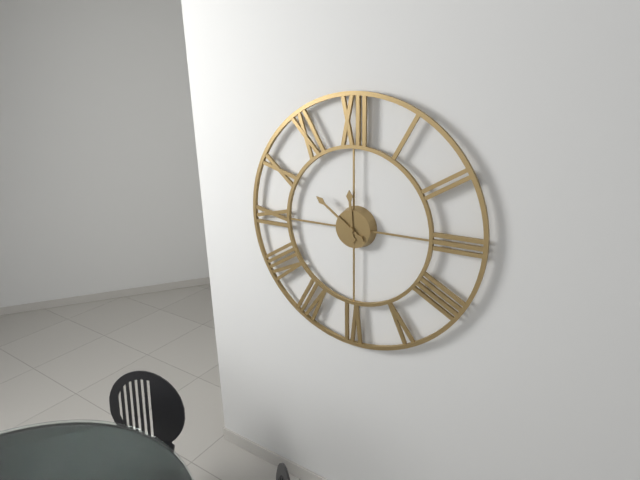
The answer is 11 h 51 min
